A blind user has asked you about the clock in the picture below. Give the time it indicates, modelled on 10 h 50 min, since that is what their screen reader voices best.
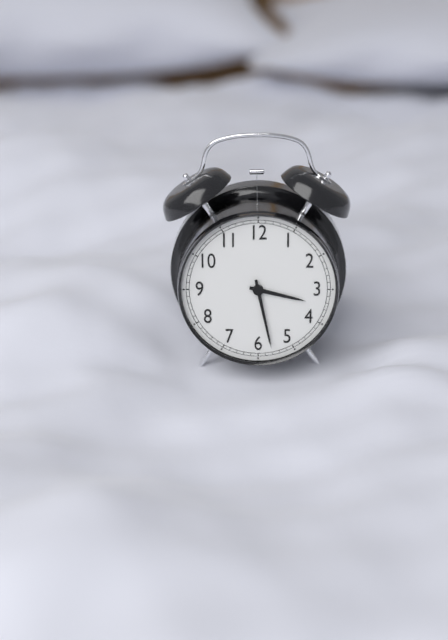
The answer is 3 h 28 min
